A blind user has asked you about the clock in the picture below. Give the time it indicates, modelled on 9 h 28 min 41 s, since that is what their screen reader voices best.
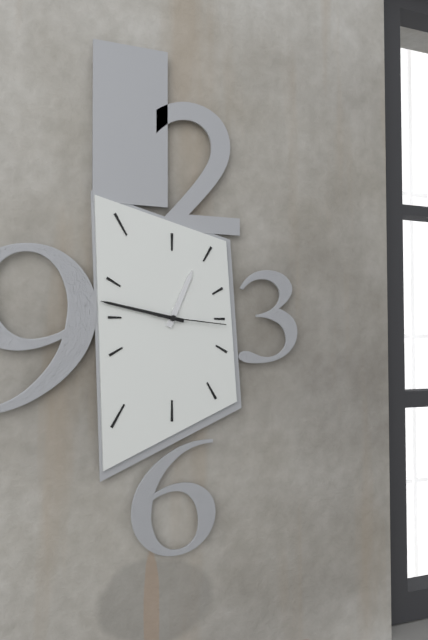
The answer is 12 h 47 min 16 s
